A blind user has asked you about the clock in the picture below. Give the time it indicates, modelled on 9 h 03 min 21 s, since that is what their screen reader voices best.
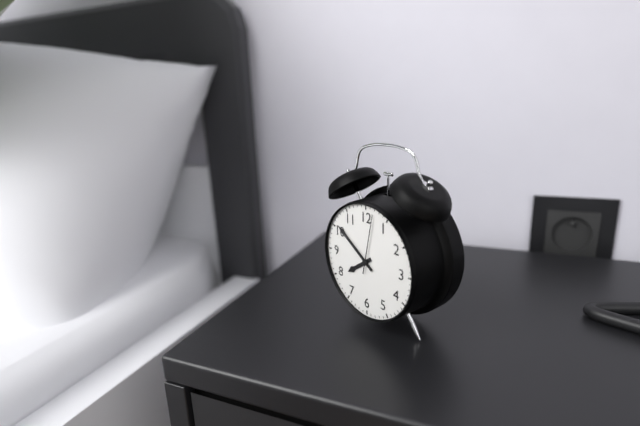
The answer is 7 h 51 min 02 s
